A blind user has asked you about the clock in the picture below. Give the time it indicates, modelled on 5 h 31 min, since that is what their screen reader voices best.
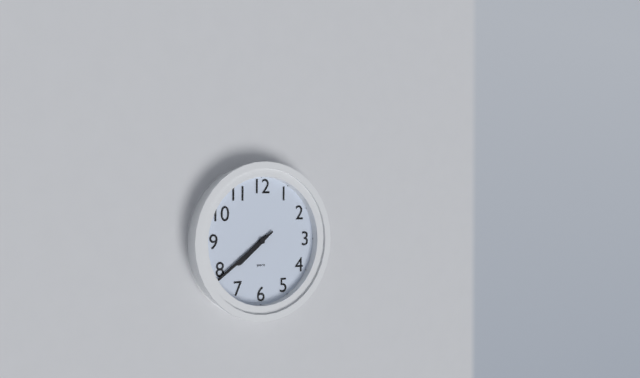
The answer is 7 h 39 min
